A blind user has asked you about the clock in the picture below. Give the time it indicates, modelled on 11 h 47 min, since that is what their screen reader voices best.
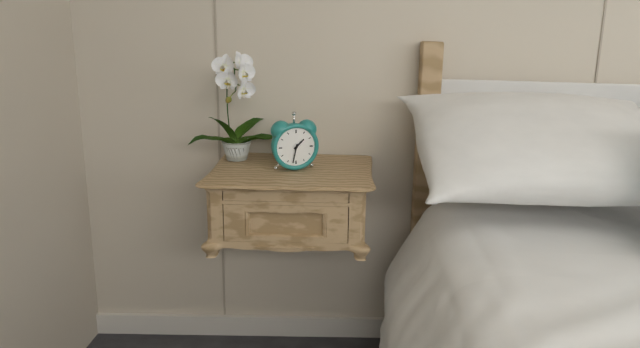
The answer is 1 h 32 min
